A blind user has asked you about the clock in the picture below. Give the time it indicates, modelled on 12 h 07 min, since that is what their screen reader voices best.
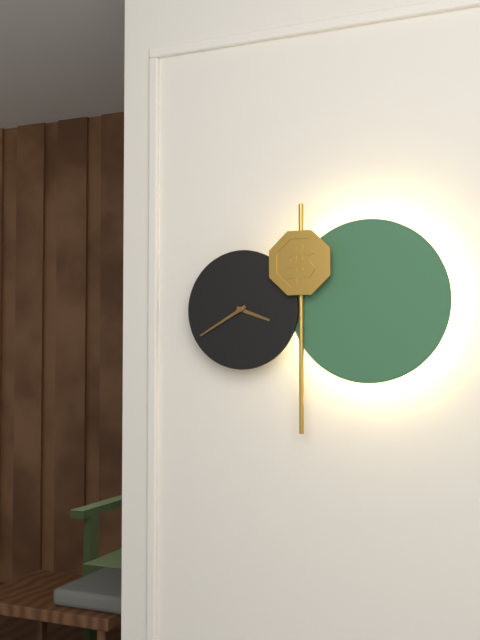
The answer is 3 h 40 min
